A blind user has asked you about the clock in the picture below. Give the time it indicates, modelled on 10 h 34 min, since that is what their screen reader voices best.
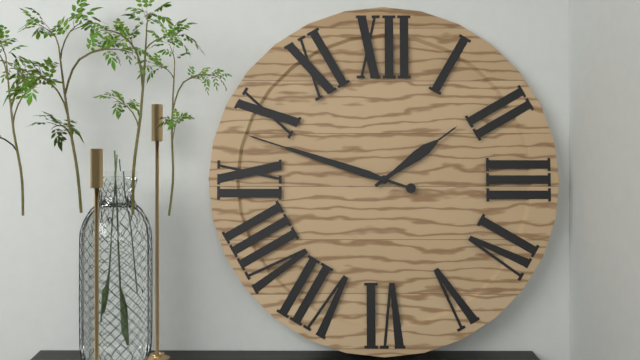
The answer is 1 h 48 min
